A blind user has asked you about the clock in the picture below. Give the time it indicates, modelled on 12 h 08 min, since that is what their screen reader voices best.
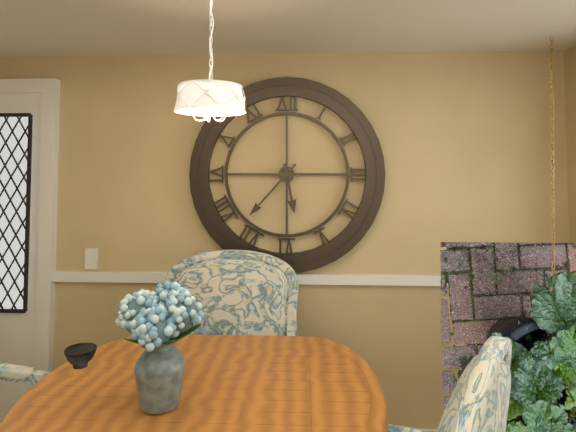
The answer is 5 h 37 min
